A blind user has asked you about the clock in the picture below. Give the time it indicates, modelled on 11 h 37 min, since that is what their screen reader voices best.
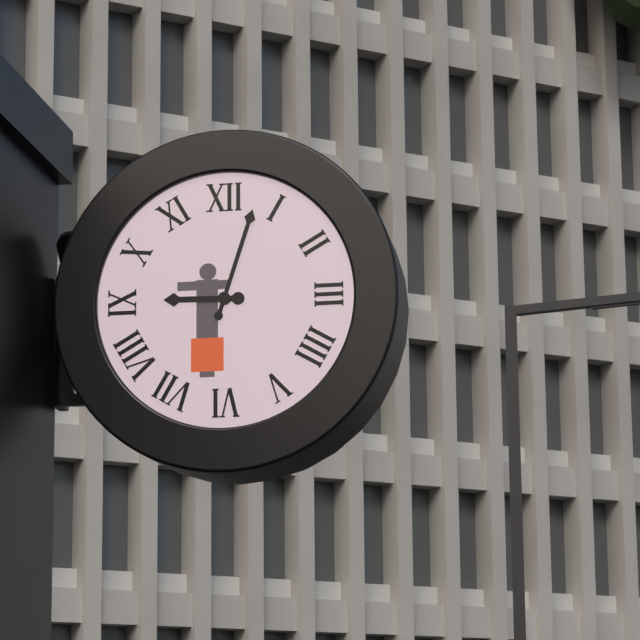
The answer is 9 h 03 min
